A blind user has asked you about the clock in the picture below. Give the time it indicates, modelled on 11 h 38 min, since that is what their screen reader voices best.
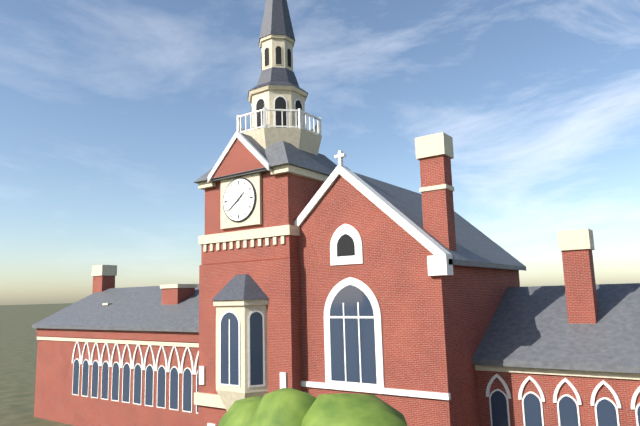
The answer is 1 h 39 min
